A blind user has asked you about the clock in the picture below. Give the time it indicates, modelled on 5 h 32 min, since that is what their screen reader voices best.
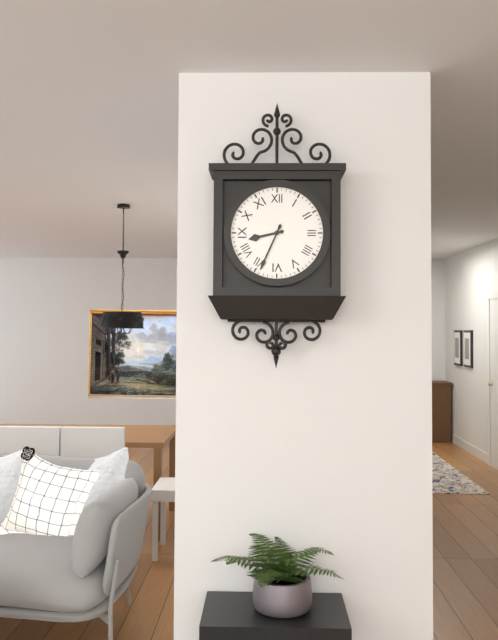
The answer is 8 h 34 min
